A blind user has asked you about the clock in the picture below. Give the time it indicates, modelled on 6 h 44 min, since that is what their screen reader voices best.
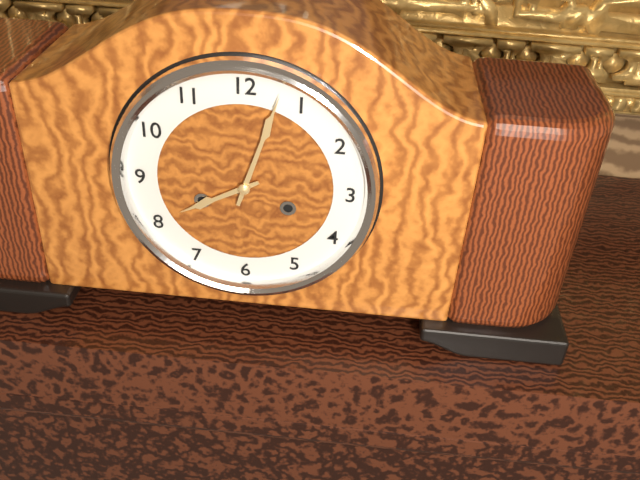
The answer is 8 h 03 min
